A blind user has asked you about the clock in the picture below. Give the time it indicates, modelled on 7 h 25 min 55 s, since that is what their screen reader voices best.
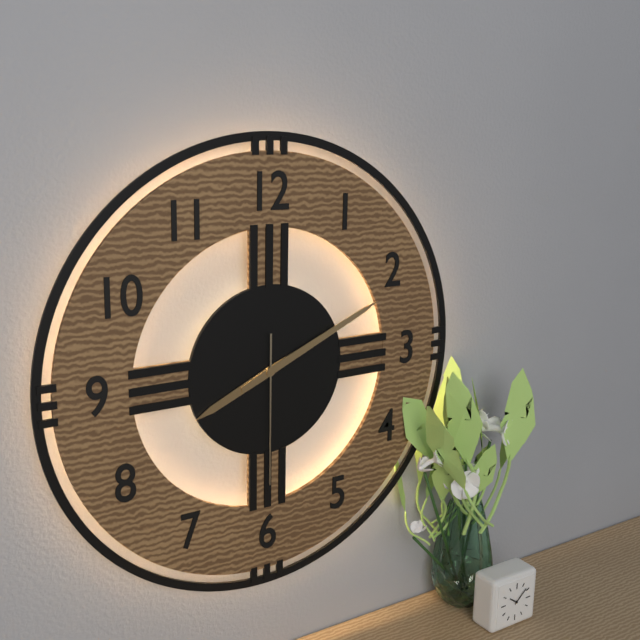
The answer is 8 h 11 min 30 s
